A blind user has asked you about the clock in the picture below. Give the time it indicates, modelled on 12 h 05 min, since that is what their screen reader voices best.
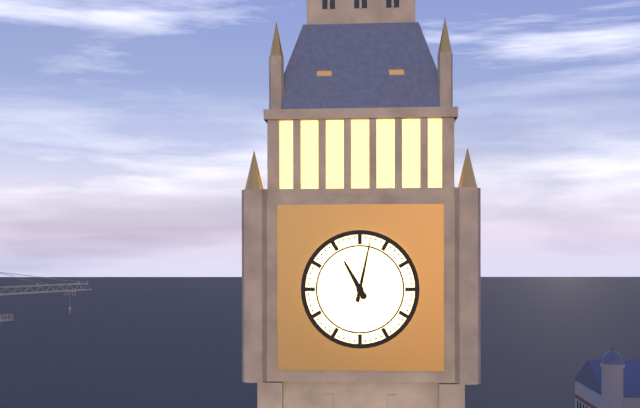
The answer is 11 h 02 min
